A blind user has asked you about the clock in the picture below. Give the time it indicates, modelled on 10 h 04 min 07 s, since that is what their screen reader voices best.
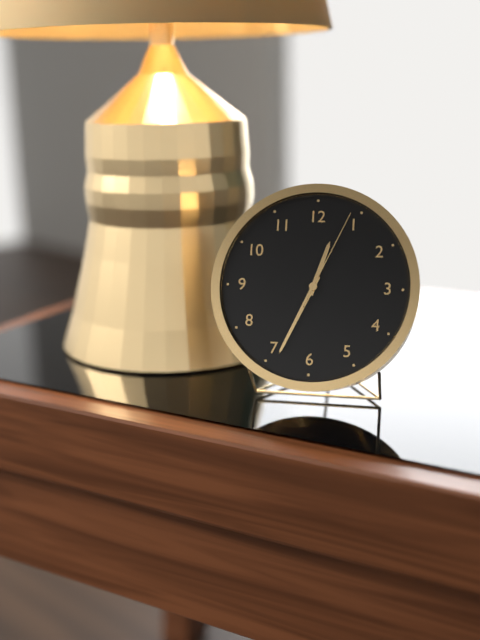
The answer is 12 h 34 min 04 s
